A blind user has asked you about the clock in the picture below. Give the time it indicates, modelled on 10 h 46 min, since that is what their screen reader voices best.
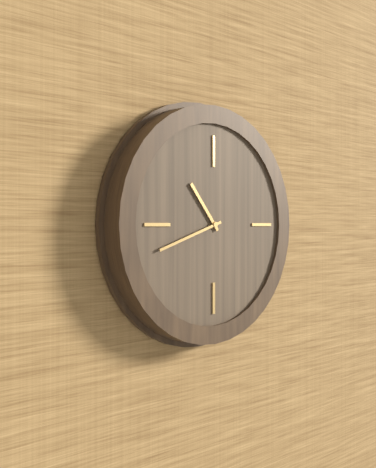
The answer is 10 h 42 min
